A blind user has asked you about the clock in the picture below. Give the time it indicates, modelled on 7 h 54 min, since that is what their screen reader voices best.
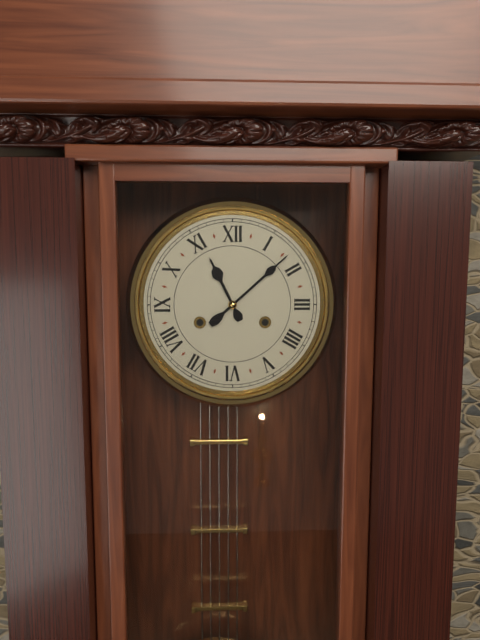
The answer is 11 h 08 min
